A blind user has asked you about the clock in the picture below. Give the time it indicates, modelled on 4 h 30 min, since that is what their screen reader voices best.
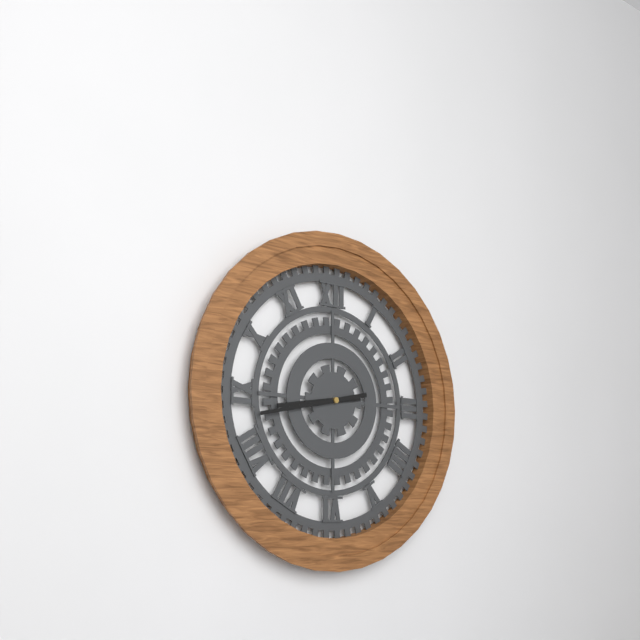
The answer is 8 h 43 min
